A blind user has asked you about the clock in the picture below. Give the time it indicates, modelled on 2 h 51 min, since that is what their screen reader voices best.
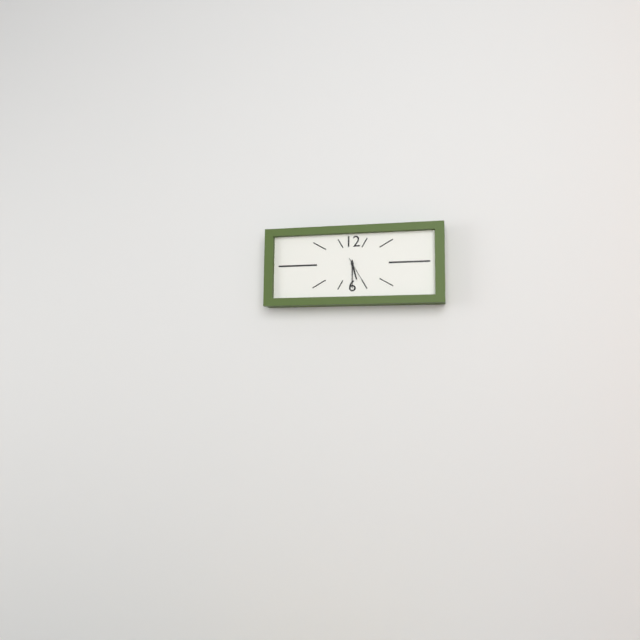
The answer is 5 h 30 min
